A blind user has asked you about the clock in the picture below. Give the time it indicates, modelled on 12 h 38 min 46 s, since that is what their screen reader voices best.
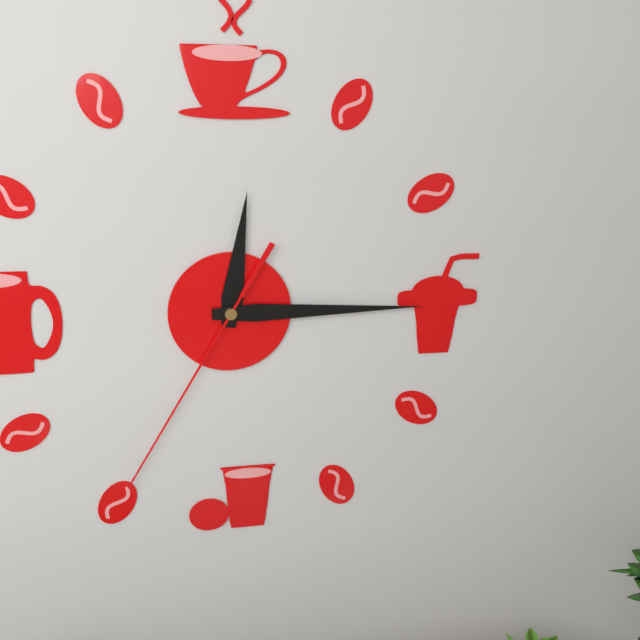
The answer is 12 h 15 min 35 s
